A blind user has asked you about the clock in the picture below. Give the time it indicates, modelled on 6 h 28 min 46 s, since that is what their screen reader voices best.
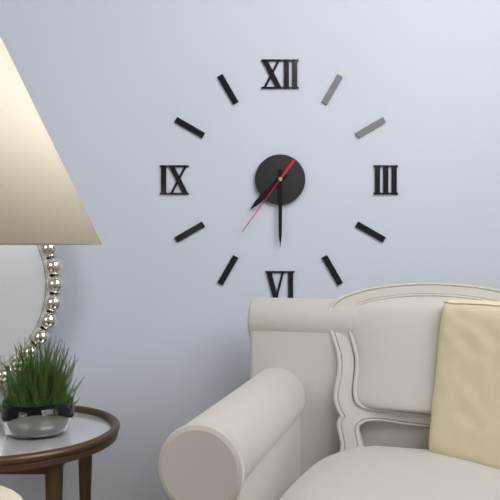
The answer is 7 h 30 min 36 s
